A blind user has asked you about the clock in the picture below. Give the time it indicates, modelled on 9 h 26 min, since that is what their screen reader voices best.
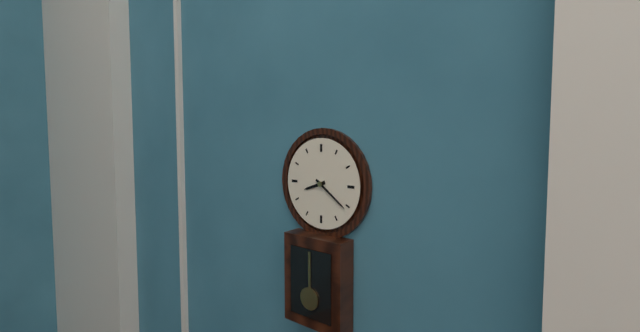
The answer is 8 h 21 min
